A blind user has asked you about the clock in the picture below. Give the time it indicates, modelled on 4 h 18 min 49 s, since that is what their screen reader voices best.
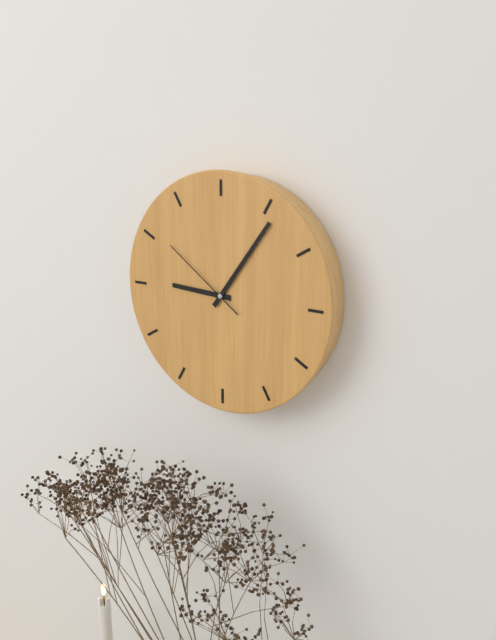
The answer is 9 h 06 min 51 s
